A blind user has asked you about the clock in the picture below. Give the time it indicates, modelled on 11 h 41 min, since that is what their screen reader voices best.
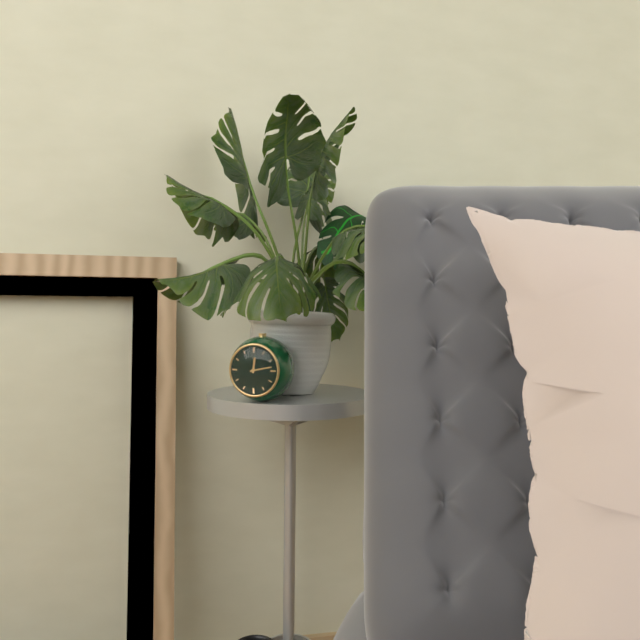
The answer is 12 h 13 min
